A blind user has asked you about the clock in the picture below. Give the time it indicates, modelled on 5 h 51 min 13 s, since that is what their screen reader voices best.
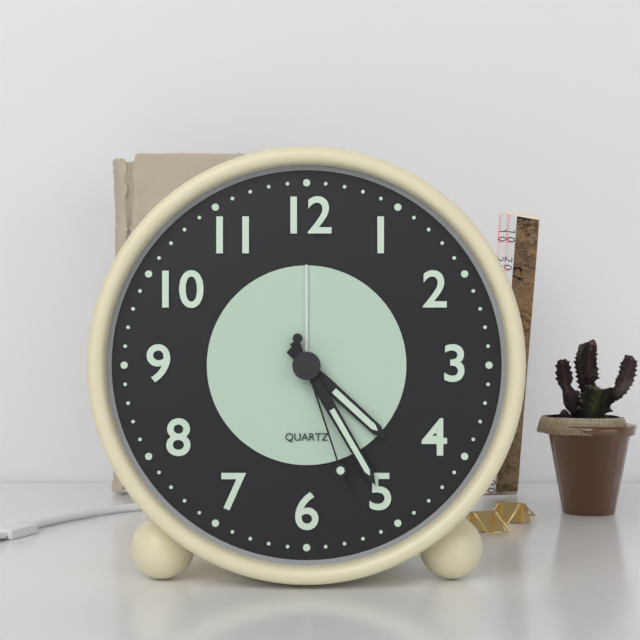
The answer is 4 h 25 min 27 s
